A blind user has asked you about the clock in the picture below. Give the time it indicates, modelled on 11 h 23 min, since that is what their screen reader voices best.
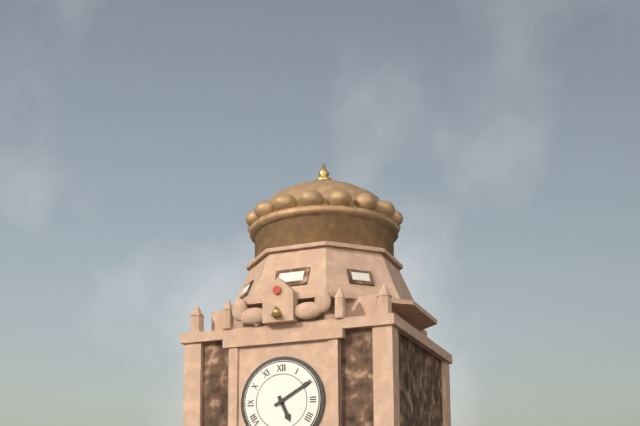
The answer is 5 h 10 min
